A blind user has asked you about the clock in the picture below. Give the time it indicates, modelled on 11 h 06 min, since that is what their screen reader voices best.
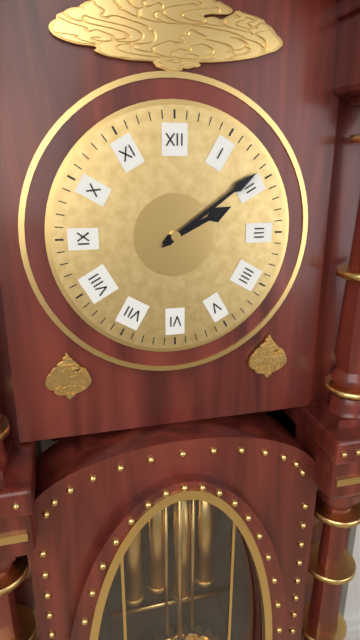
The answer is 2 h 09 min
